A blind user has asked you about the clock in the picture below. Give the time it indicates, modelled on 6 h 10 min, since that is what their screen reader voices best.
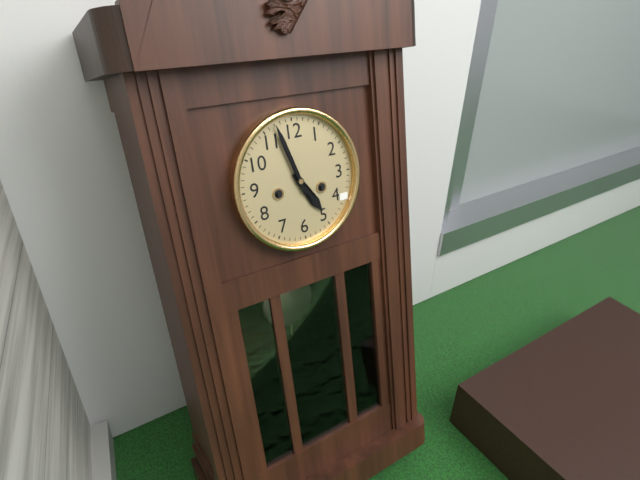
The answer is 4 h 57 min
